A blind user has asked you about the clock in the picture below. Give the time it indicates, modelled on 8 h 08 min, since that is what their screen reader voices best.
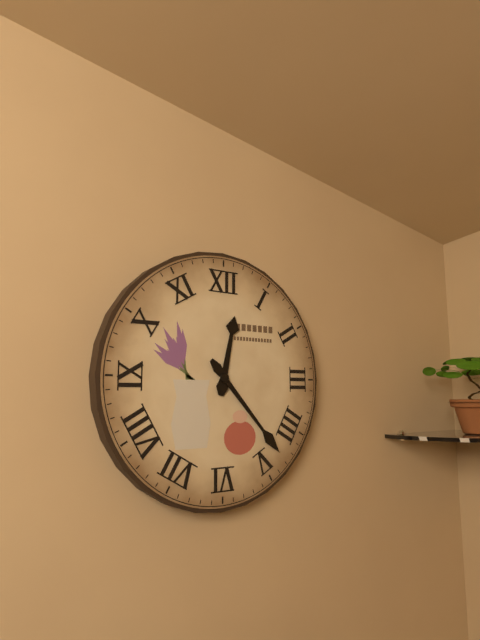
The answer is 12 h 23 min
